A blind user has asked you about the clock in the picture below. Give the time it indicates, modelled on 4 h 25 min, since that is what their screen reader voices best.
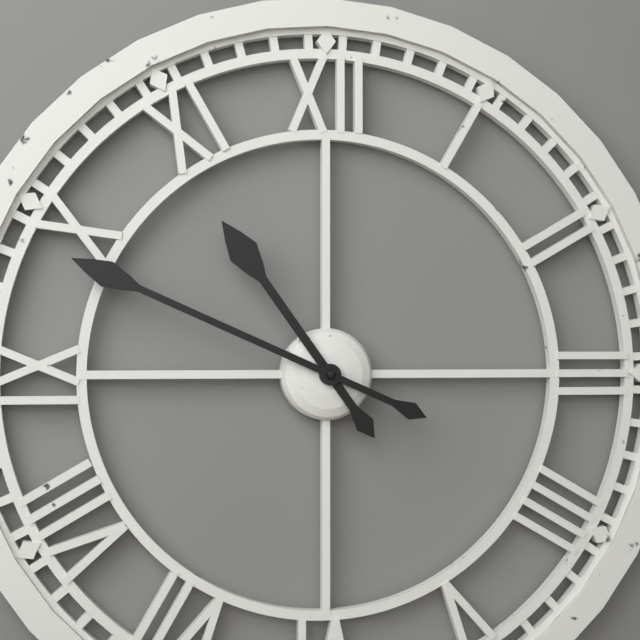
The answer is 10 h 49 min
